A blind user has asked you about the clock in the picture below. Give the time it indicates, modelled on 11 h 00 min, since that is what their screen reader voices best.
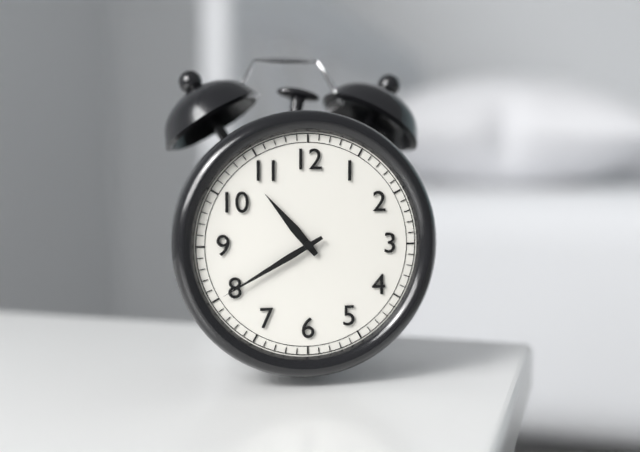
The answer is 10 h 40 min
